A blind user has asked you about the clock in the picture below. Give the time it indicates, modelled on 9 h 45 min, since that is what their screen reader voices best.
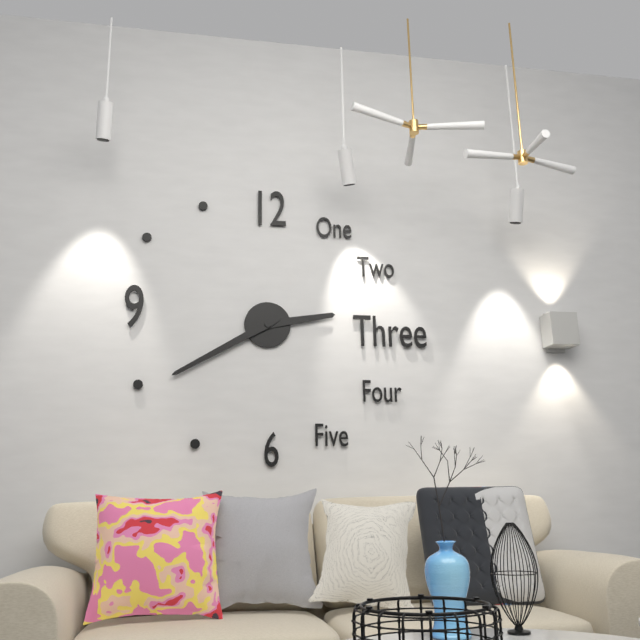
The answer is 2 h 40 min
